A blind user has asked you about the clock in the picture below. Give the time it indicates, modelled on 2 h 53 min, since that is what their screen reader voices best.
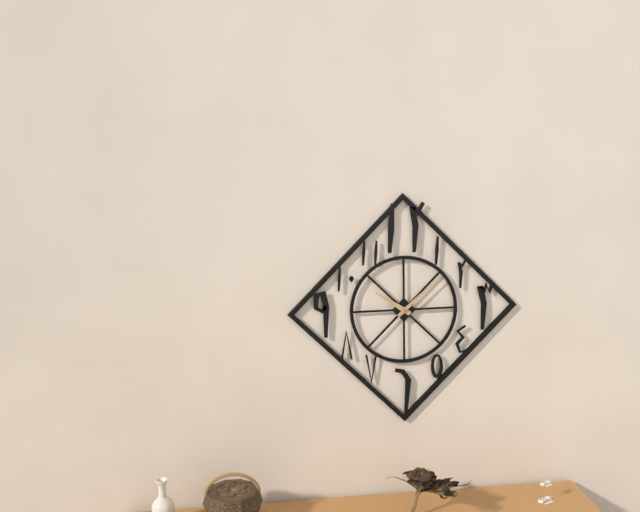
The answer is 10 h 08 min
